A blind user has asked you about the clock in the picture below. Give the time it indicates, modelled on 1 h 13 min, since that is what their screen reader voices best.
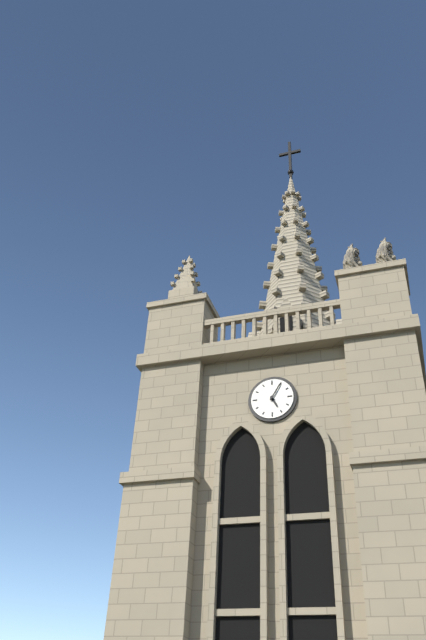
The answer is 5 h 05 min
